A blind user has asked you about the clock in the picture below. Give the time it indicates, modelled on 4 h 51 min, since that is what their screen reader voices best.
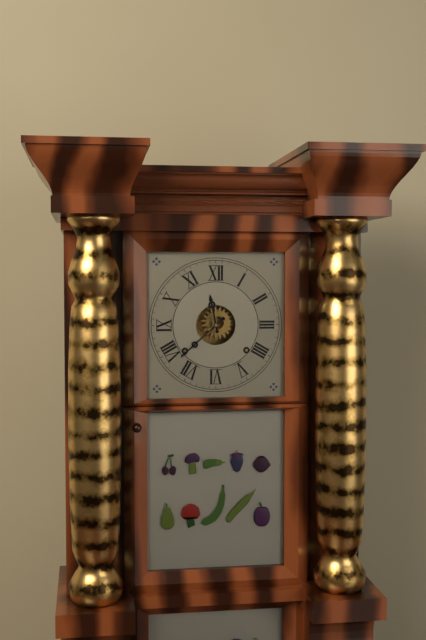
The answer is 11 h 38 min
